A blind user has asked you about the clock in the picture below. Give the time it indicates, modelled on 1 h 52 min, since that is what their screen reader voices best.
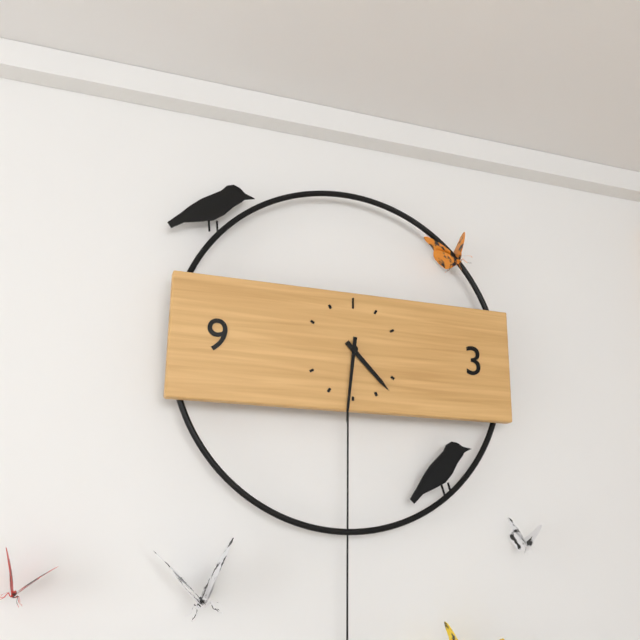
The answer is 4 h 31 min
